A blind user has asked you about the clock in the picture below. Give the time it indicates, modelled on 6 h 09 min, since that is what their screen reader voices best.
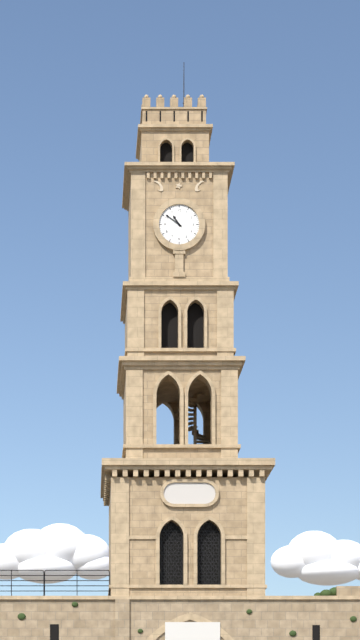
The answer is 10 h 51 min
